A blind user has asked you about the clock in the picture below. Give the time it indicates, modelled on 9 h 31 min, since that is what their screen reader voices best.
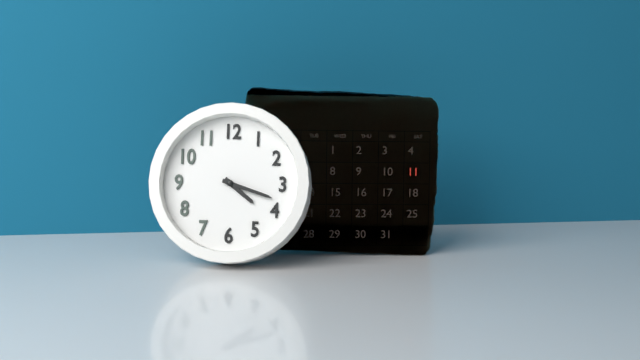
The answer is 4 h 18 min
